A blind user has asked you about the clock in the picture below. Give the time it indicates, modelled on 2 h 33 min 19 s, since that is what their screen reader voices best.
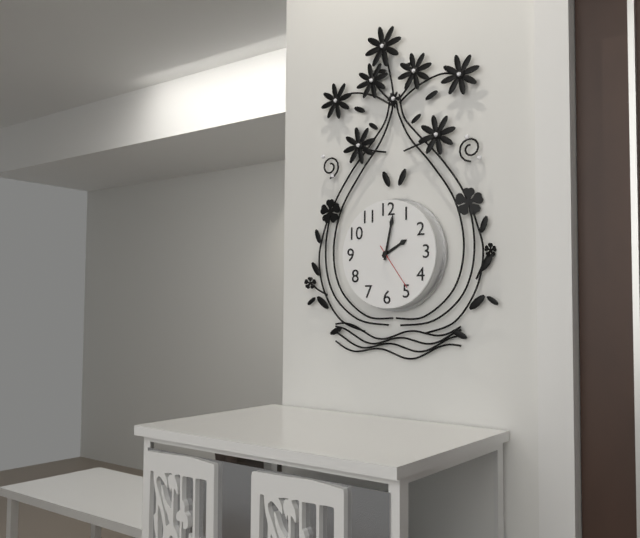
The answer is 2 h 02 min 24 s
